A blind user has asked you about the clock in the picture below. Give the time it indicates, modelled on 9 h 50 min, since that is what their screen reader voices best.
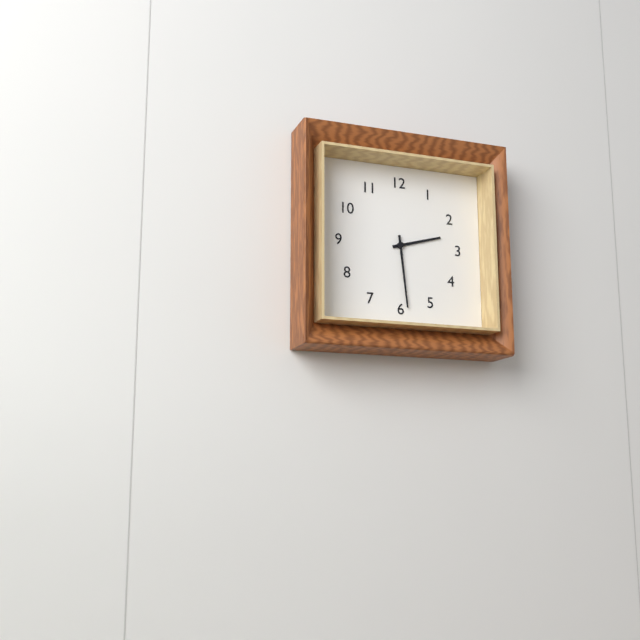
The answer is 2 h 29 min
